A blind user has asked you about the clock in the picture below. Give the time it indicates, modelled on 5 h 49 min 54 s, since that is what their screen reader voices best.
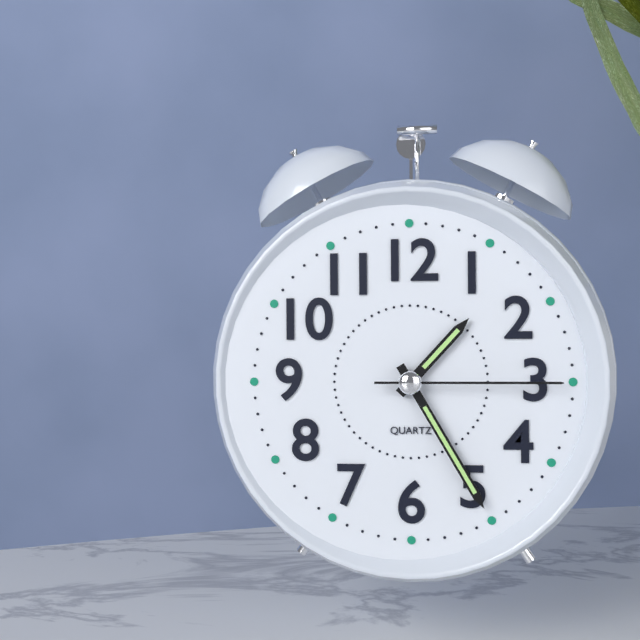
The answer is 1 h 25 min 15 s
